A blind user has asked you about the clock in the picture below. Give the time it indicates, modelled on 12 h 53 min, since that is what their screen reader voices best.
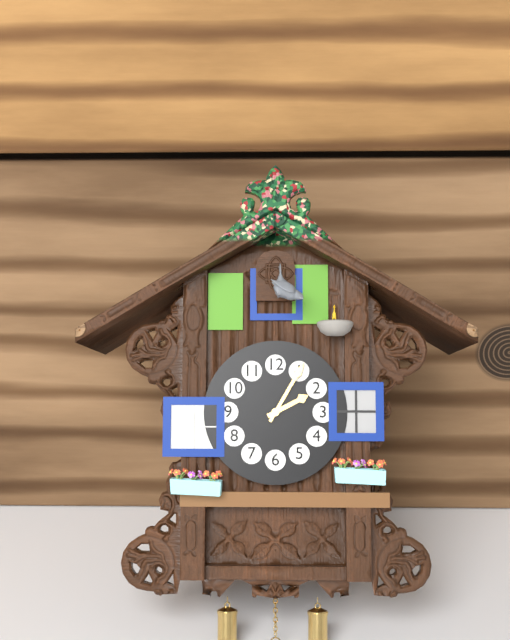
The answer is 2 h 05 min
